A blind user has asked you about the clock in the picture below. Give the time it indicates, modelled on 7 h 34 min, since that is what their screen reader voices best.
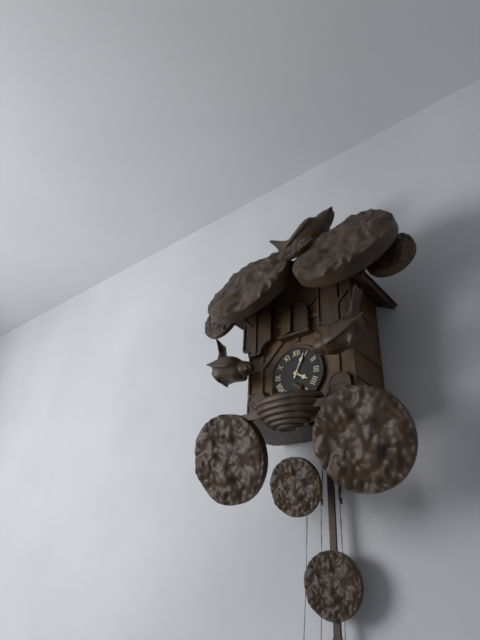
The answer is 4 h 04 min
